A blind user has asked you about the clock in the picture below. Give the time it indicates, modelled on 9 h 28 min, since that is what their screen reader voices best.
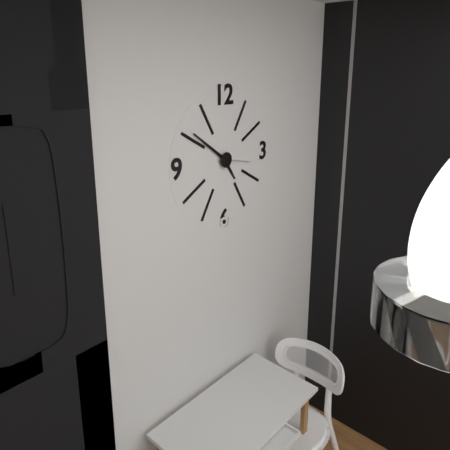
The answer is 4 h 51 min
